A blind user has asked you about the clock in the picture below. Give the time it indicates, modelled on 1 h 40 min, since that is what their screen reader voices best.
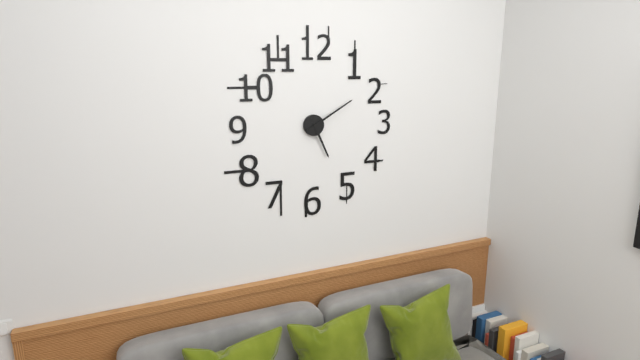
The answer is 5 h 10 min
